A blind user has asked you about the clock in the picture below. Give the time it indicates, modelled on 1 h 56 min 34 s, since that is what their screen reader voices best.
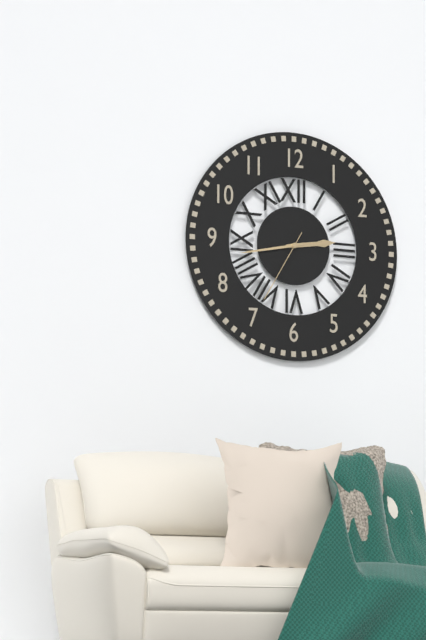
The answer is 2 h 43 min 35 s
